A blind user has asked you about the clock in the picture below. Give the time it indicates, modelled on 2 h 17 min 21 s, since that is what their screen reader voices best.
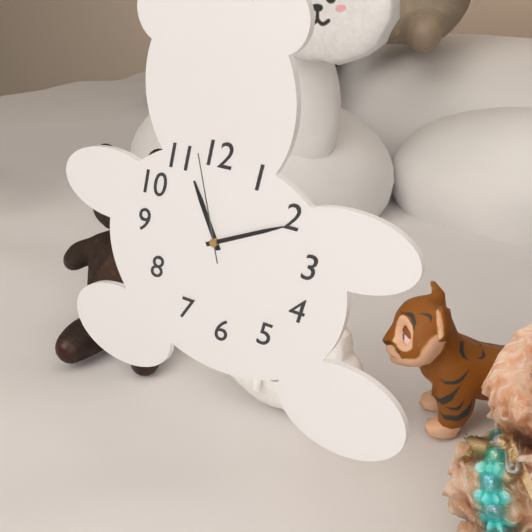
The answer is 11 h 11 min 58 s
